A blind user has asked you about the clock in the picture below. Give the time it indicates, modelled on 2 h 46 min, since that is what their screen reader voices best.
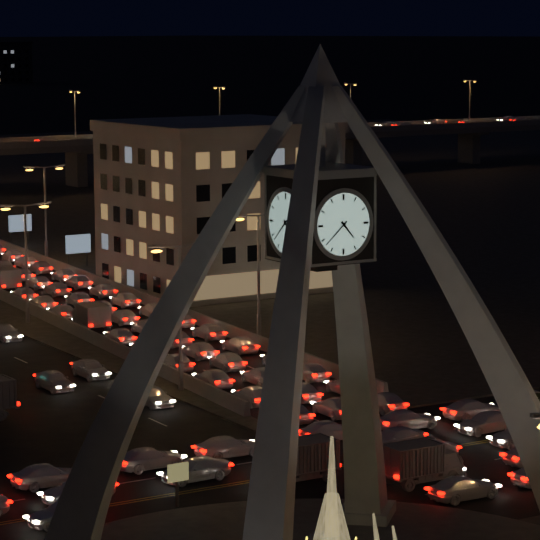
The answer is 4 h 38 min
